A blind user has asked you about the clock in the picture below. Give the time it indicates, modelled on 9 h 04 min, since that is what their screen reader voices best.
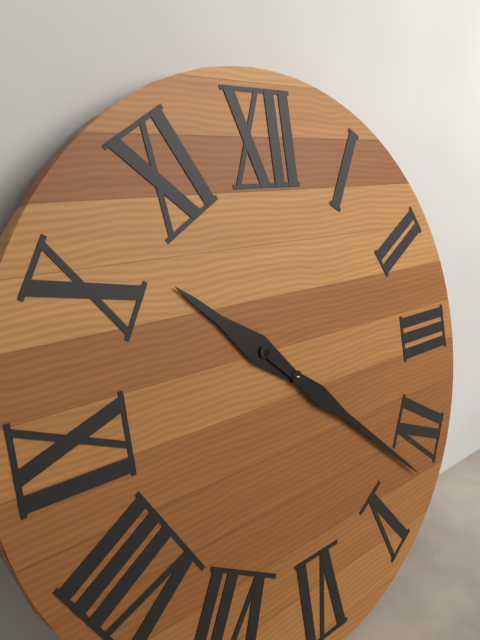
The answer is 10 h 22 min
